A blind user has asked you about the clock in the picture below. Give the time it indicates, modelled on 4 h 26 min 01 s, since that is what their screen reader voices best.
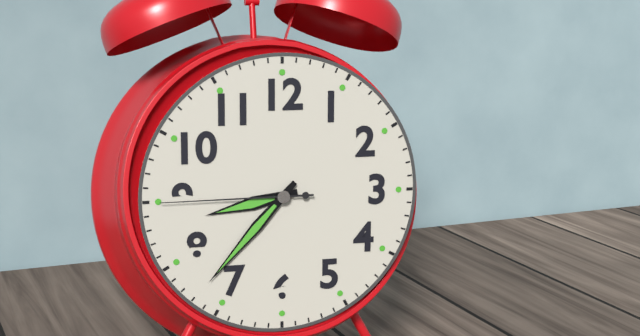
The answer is 8 h 37 min 45 s
